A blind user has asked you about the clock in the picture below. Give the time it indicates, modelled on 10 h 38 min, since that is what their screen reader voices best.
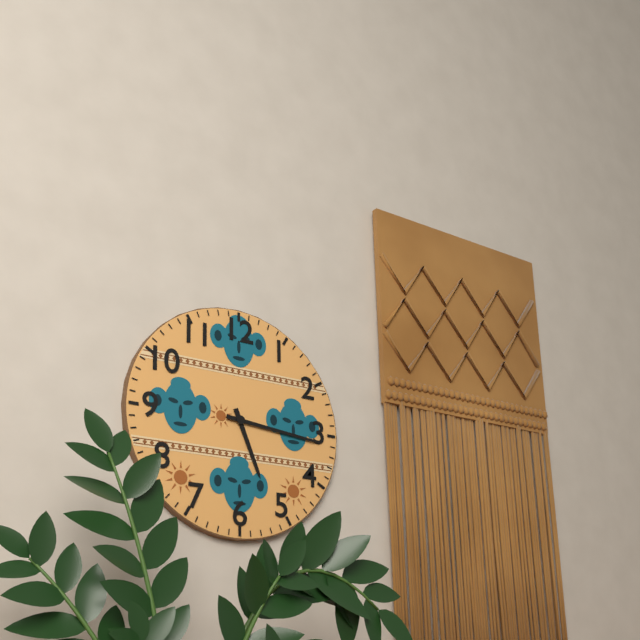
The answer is 5 h 16 min
